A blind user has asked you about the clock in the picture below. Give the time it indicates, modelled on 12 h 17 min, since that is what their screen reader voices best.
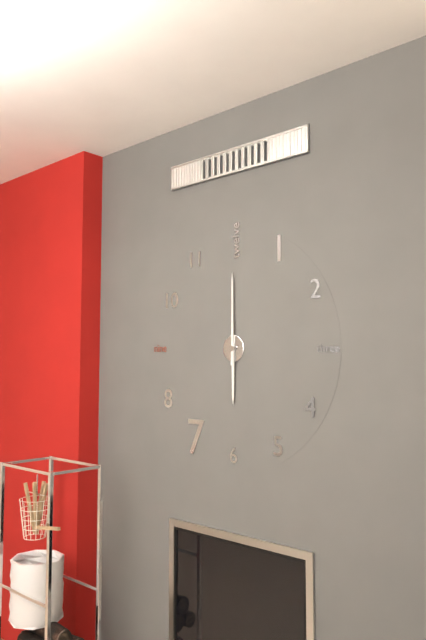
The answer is 6 h 00 min
